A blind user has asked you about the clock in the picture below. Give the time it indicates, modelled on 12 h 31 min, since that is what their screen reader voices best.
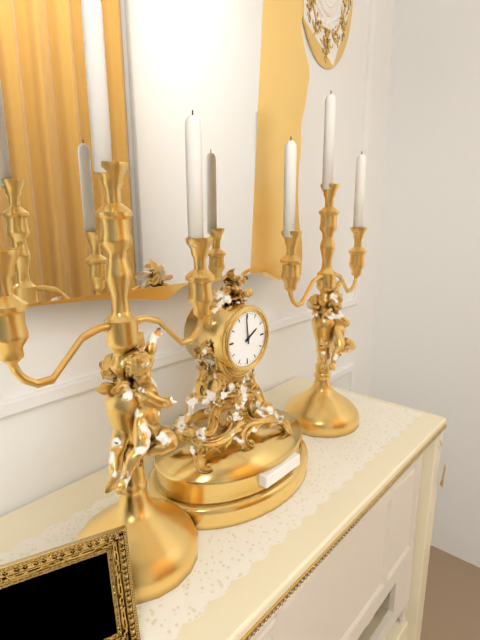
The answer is 1 h 59 min
